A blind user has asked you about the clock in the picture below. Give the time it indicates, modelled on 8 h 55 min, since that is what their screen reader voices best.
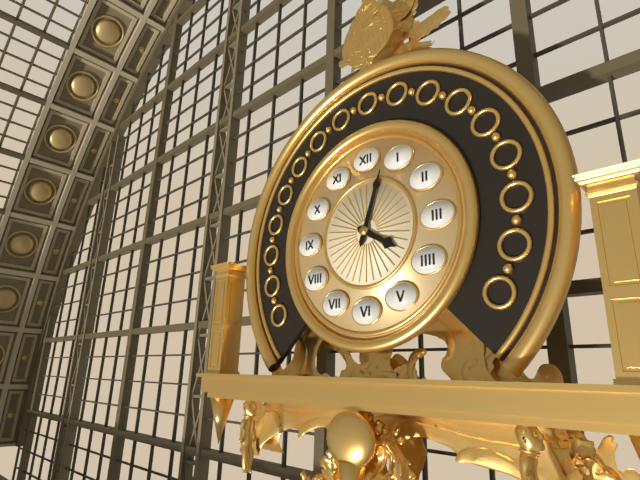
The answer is 4 h 03 min
